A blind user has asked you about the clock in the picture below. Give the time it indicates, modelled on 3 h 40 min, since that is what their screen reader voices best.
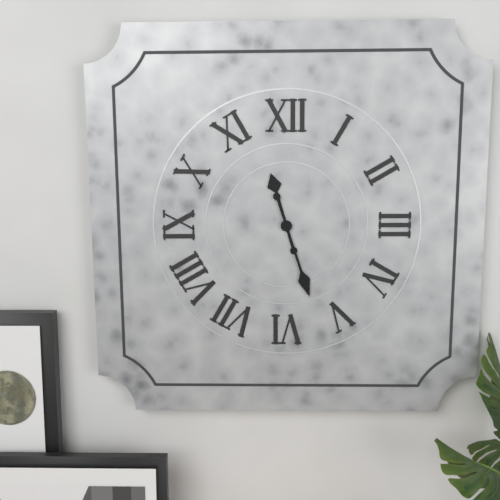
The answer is 11 h 27 min
